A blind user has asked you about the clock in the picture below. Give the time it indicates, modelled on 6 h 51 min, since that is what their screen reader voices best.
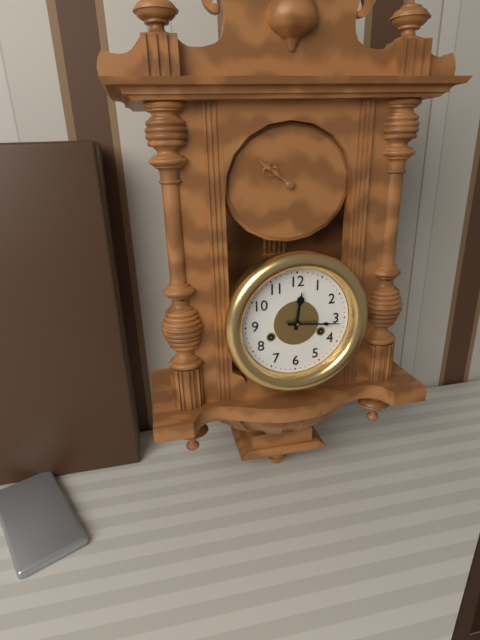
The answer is 12 h 16 min
